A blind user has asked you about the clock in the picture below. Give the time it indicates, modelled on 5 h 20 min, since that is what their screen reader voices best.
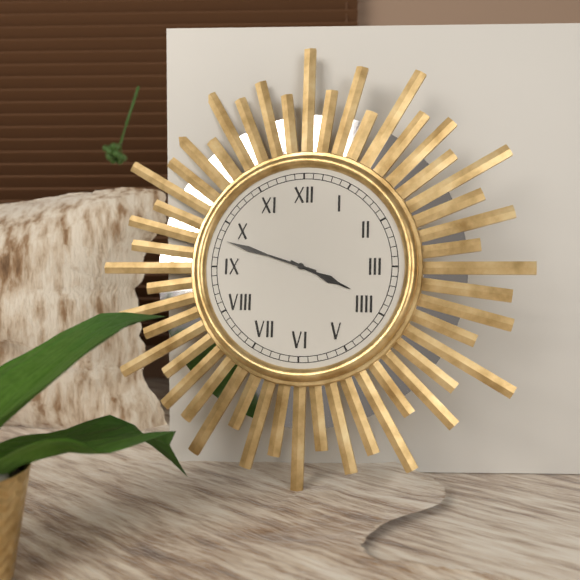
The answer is 3 h 48 min
